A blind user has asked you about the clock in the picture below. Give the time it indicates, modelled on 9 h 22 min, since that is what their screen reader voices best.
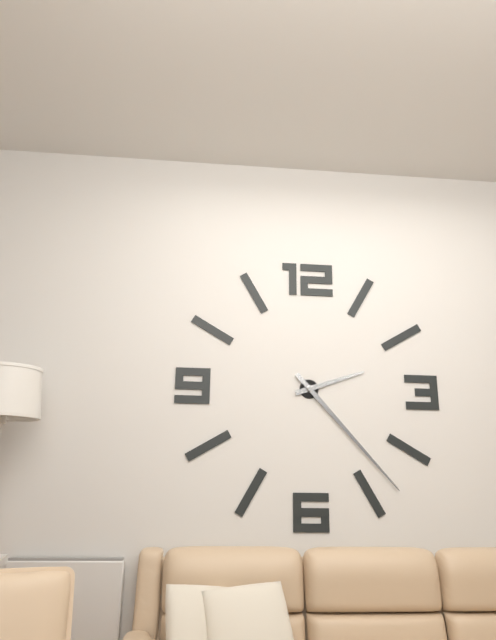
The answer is 2 h 23 min
